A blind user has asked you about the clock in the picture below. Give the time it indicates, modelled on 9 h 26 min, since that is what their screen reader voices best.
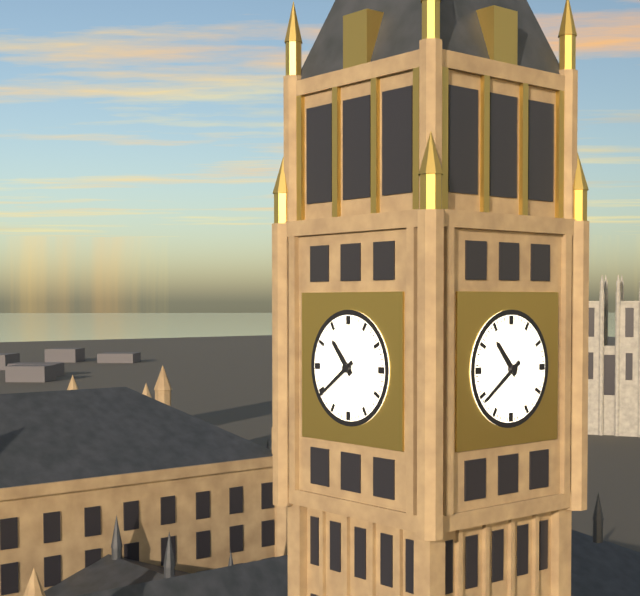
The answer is 10 h 39 min
